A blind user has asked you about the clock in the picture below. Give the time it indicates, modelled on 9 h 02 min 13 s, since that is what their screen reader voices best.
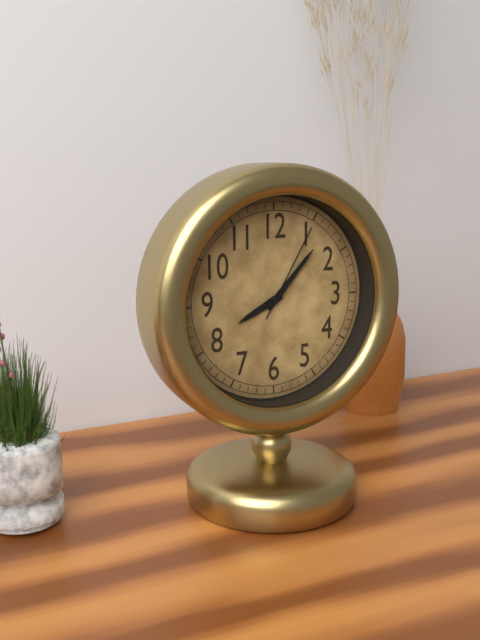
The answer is 8 h 07 min 05 s
